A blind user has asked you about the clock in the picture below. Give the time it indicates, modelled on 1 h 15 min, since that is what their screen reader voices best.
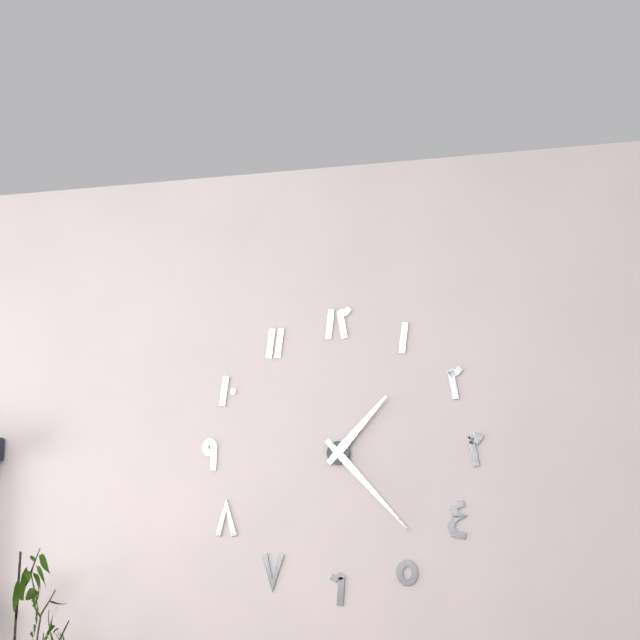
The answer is 1 h 23 min
